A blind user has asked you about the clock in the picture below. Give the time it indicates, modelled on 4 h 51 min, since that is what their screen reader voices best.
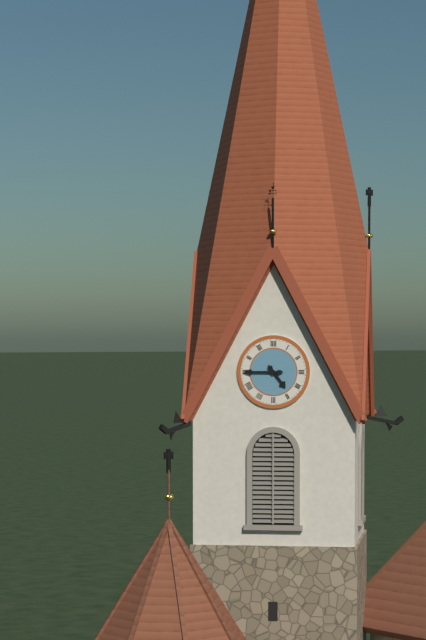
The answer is 4 h 45 min
